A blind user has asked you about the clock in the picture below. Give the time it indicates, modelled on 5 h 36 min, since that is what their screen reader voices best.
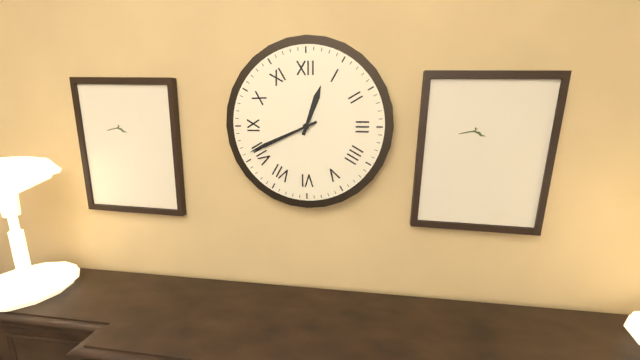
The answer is 12 h 41 min
